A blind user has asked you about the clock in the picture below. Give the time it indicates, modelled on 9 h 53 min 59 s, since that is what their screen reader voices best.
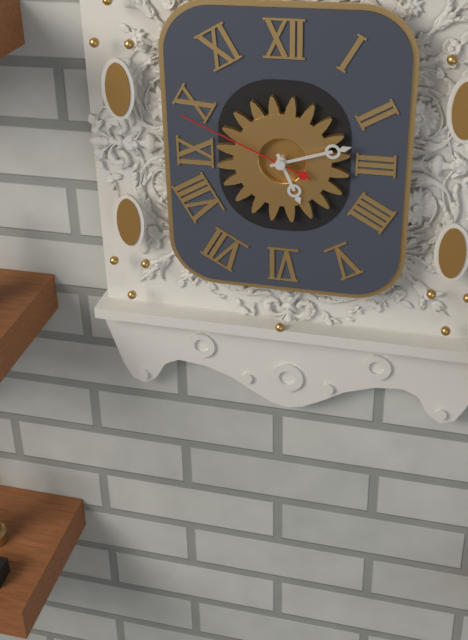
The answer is 5 h 12 min 49 s
